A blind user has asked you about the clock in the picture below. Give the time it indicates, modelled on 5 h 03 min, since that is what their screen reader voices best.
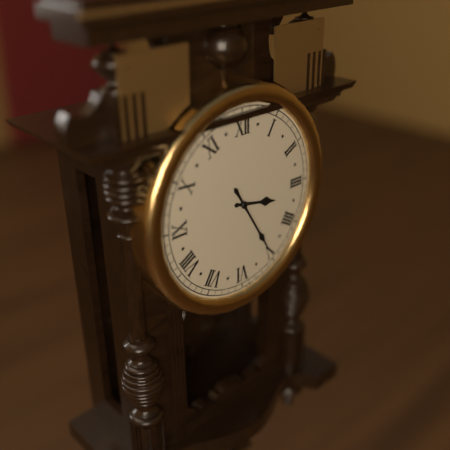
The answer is 3 h 25 min
